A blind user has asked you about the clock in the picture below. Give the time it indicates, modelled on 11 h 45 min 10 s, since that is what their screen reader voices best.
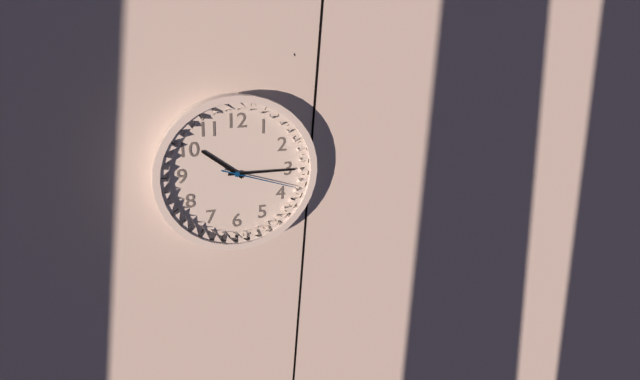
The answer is 10 h 15 min 18 s
